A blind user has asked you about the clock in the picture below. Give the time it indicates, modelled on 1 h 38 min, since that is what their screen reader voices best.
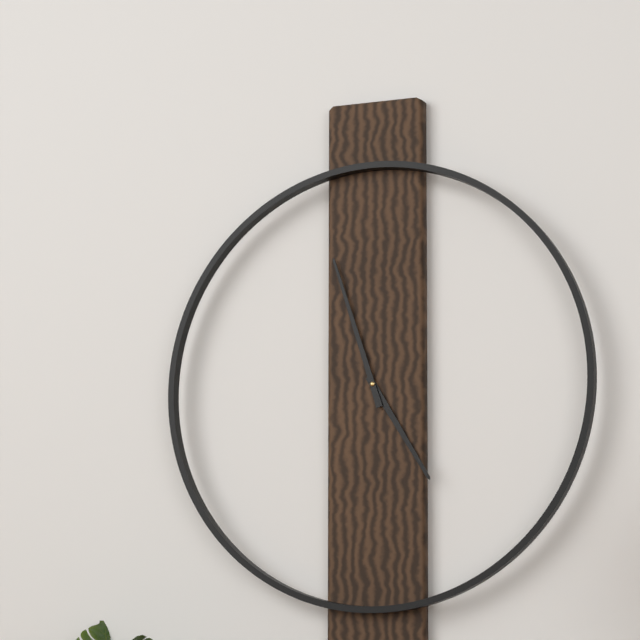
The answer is 4 h 57 min
